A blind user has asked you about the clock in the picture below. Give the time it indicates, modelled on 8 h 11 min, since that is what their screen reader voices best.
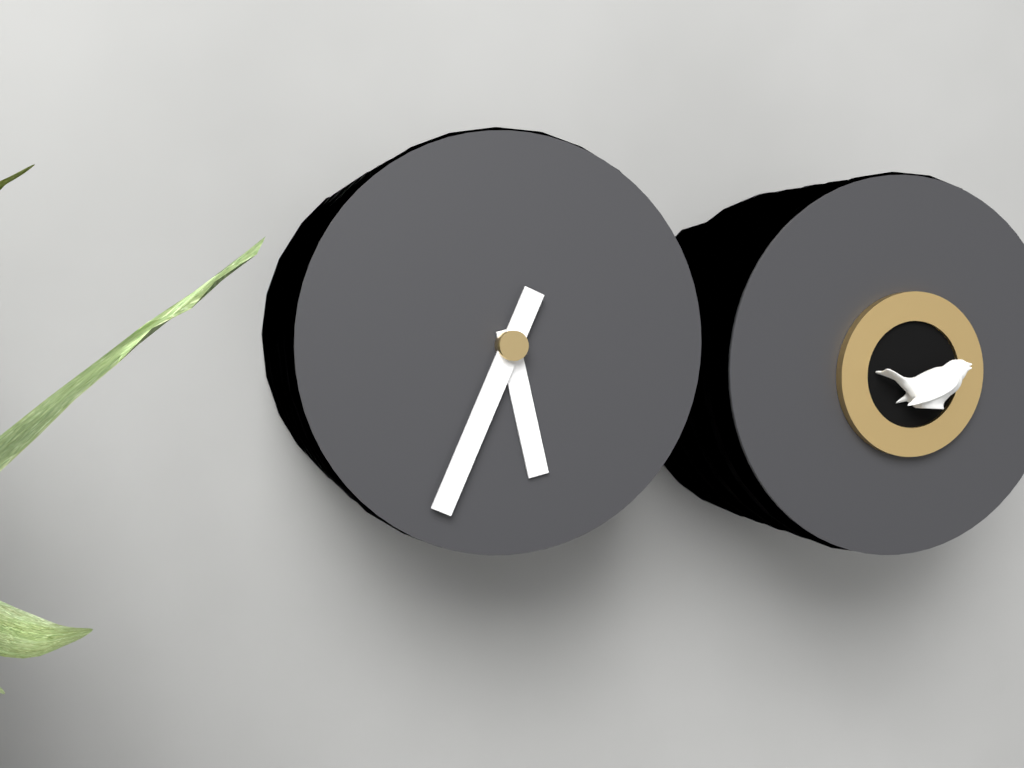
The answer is 5 h 34 min
